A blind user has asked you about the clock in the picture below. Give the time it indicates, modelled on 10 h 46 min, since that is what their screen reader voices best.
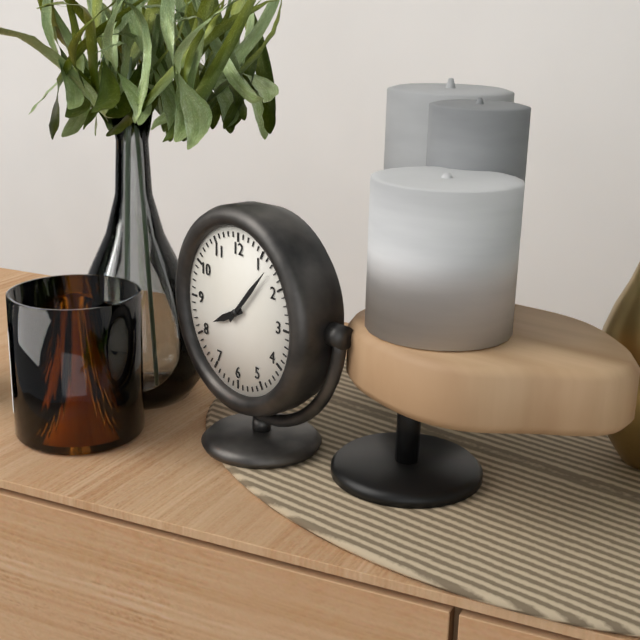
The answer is 8 h 07 min
